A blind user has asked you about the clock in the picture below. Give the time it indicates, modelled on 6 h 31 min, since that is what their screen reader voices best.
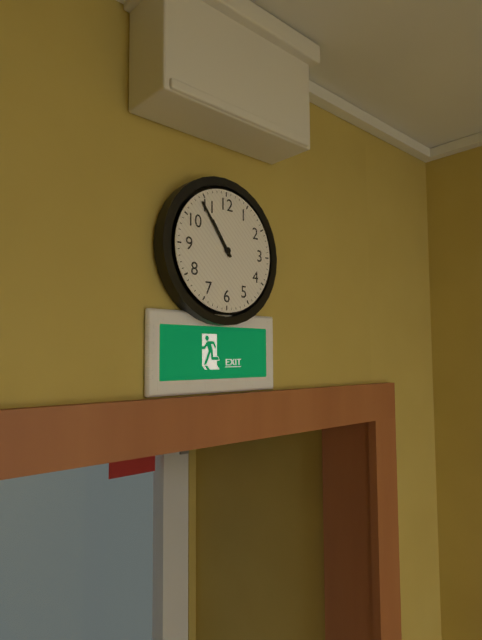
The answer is 10 h 54 min
